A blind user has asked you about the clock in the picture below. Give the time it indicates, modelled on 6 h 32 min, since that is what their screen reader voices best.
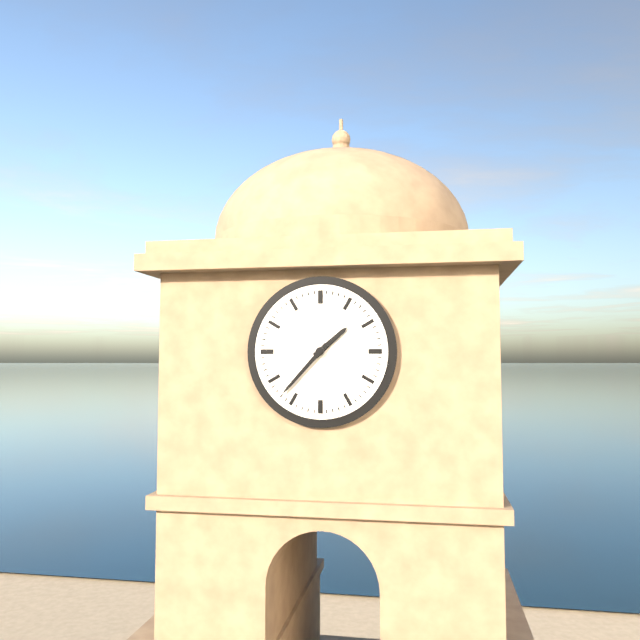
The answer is 1 h 37 min
